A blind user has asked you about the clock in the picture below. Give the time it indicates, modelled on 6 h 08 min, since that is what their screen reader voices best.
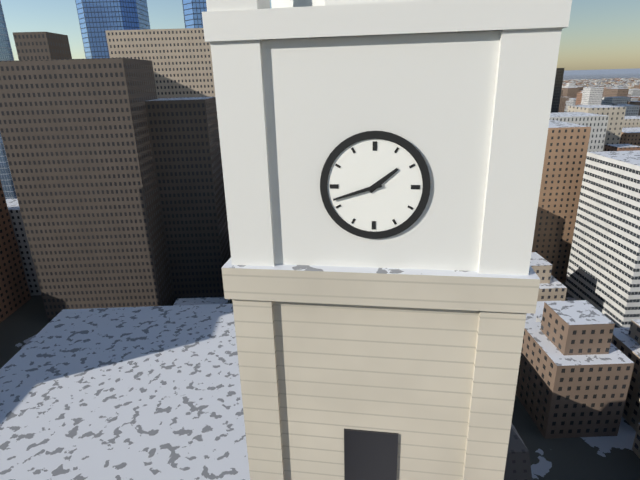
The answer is 1 h 42 min
